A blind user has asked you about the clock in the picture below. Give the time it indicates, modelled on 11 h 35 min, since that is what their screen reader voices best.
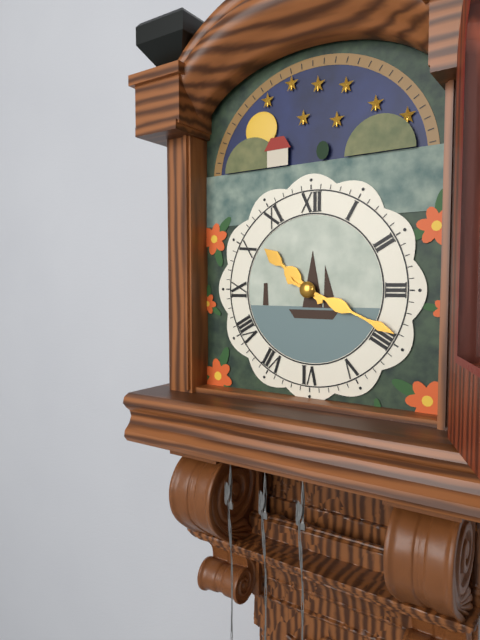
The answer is 10 h 19 min
